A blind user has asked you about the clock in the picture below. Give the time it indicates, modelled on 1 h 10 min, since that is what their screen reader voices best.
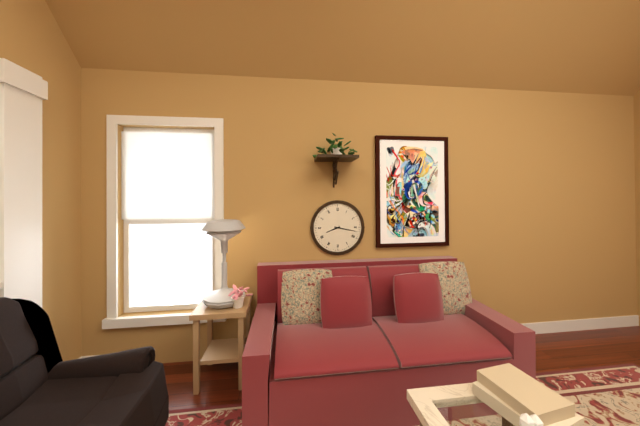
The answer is 8 h 17 min
